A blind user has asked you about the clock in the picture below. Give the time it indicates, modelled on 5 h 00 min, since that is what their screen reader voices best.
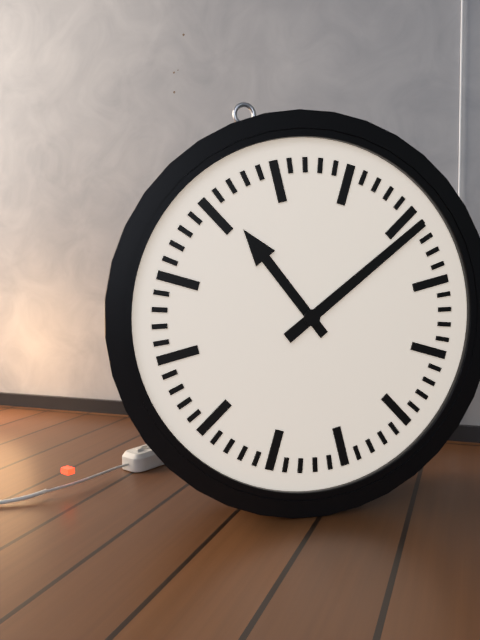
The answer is 11 h 11 min
